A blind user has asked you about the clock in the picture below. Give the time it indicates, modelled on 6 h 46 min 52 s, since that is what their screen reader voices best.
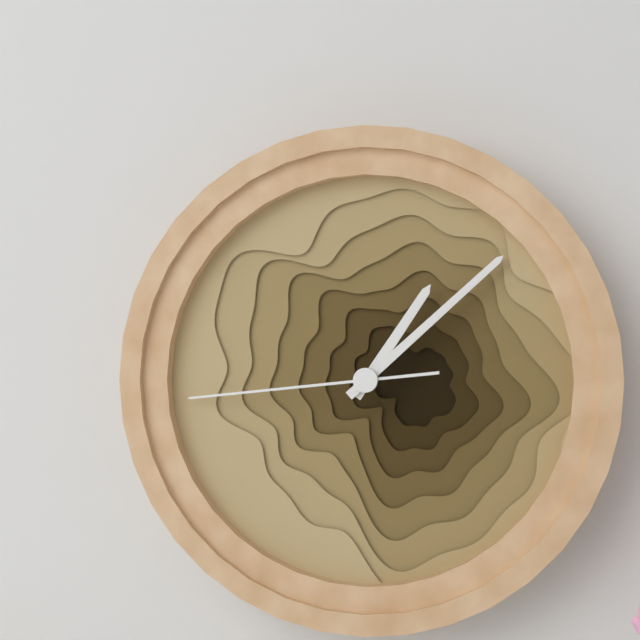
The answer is 1 h 08 min 44 s
